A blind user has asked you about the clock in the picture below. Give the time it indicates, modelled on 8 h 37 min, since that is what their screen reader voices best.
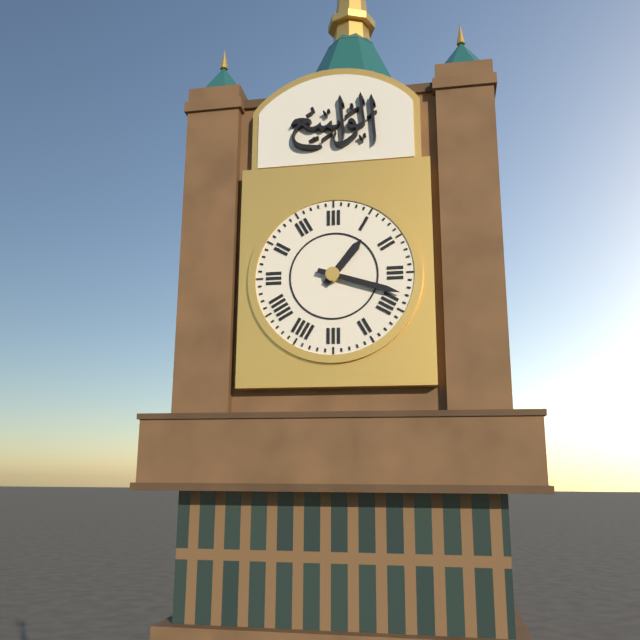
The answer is 1 h 18 min
